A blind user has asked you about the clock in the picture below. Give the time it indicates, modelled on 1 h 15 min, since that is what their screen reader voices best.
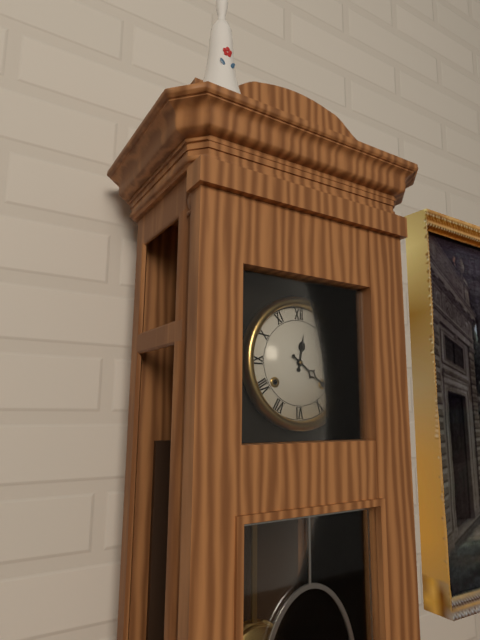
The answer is 12 h 21 min
